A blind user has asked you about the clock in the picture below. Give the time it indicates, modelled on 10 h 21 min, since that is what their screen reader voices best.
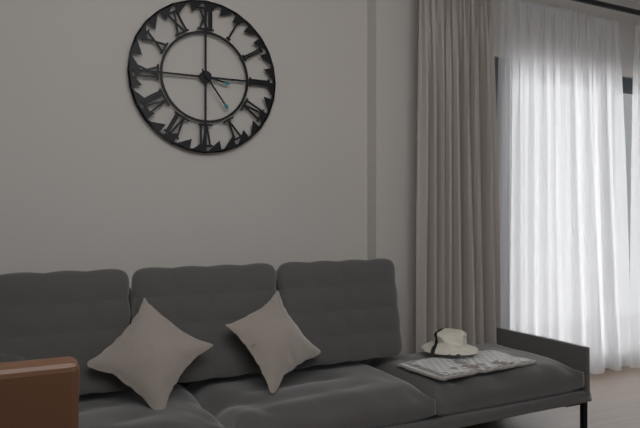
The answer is 3 h 24 min
